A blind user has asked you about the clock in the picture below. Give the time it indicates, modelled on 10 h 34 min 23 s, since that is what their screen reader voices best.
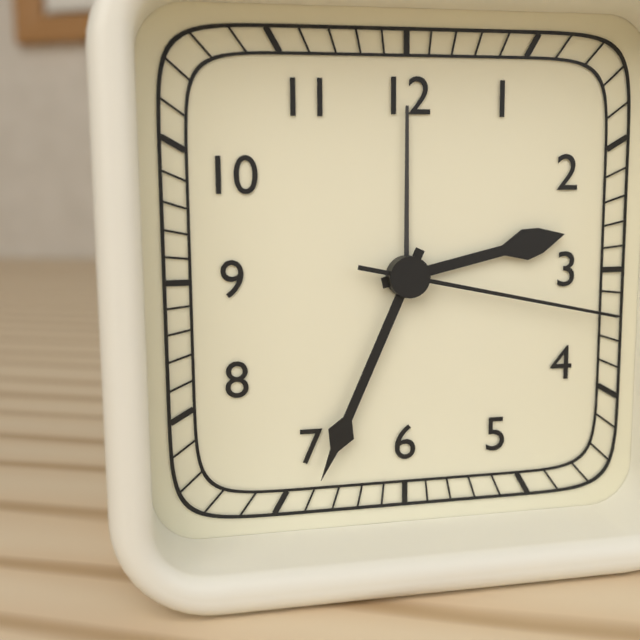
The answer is 2 h 34 min 17 s
